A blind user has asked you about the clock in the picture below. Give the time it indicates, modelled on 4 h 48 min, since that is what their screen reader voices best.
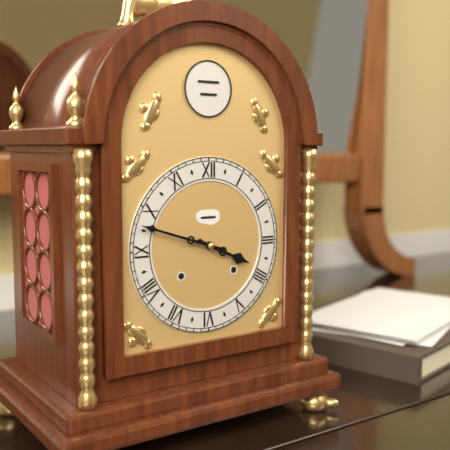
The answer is 3 h 48 min
